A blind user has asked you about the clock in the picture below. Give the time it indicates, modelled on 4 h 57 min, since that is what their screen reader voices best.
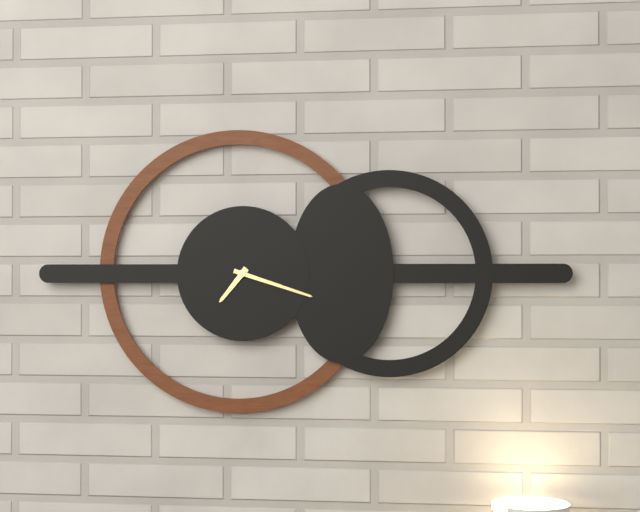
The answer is 7 h 18 min
